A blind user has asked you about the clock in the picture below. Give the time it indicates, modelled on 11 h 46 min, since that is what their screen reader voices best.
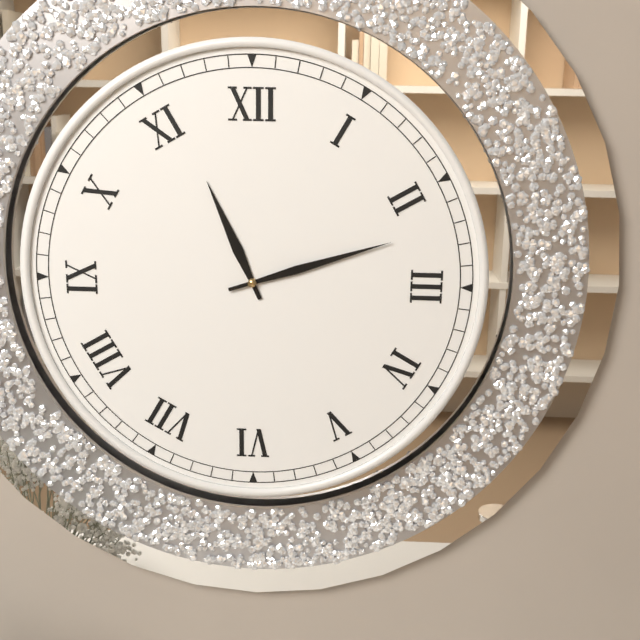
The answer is 11 h 12 min
